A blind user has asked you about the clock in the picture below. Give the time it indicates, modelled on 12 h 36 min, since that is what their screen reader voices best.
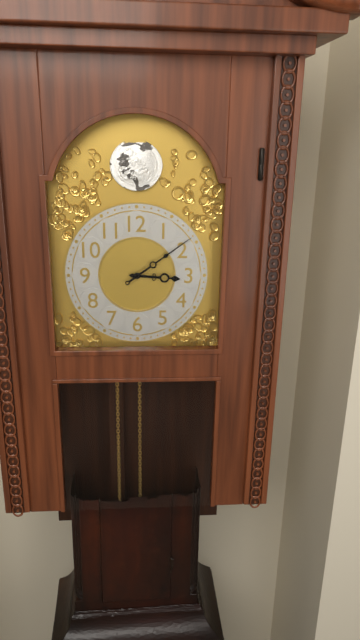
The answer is 3 h 09 min
